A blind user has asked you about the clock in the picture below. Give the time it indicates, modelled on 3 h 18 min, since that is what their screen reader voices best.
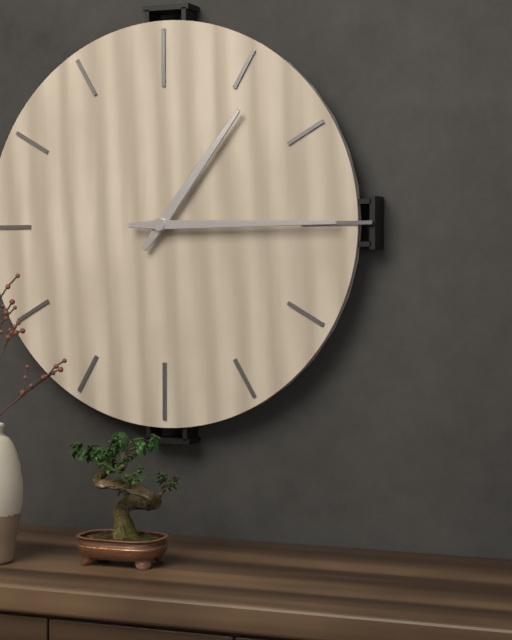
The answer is 1 h 15 min
